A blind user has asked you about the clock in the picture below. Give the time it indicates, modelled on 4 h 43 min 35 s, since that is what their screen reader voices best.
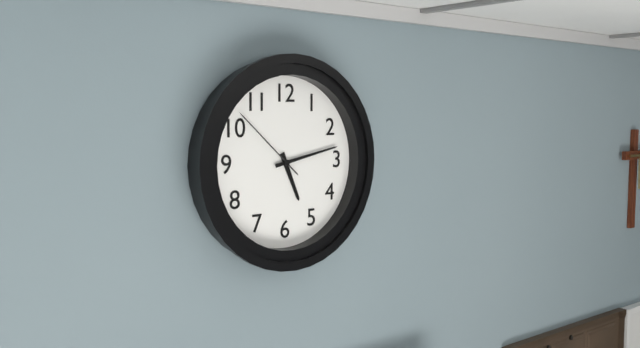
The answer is 5 h 13 min 52 s
